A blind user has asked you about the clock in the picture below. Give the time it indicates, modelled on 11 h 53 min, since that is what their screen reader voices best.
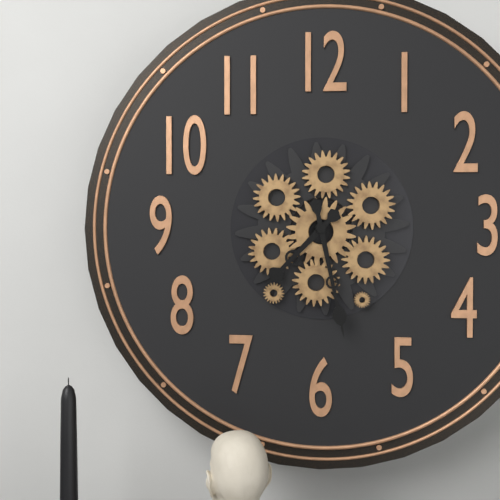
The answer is 7 h 28 min
